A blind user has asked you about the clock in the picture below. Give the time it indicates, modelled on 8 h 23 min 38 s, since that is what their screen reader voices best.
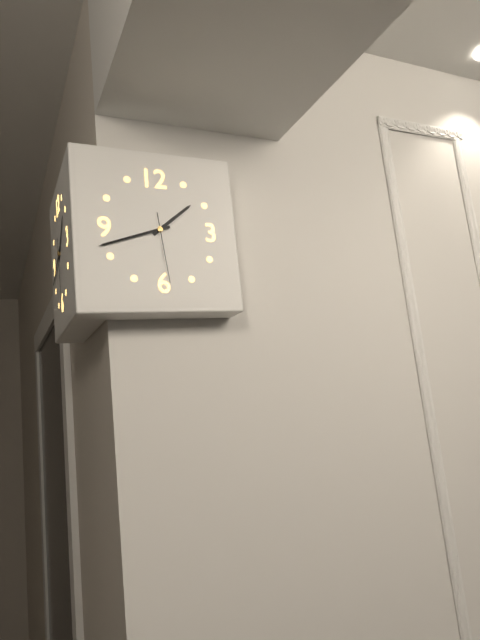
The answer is 1 h 42 min 29 s
